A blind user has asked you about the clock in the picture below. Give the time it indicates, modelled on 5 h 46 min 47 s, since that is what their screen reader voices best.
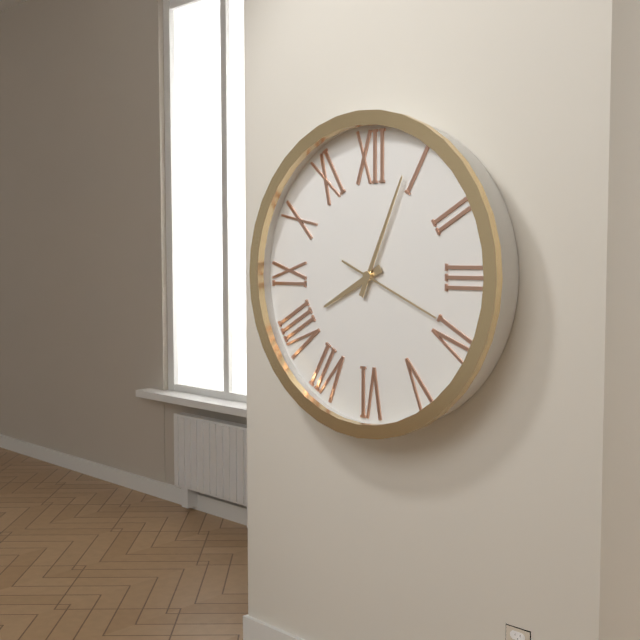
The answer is 8 h 04 min 19 s
